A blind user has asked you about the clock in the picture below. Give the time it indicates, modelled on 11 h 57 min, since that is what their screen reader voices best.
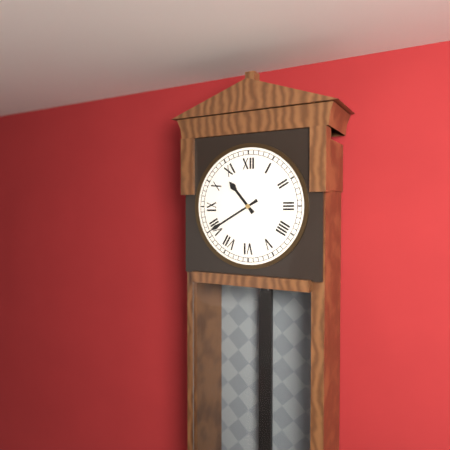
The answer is 10 h 40 min
